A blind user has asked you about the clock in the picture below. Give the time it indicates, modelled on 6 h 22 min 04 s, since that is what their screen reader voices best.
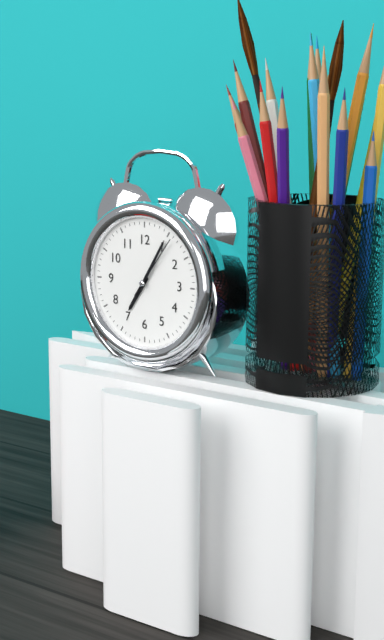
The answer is 7 h 05 min 06 s
